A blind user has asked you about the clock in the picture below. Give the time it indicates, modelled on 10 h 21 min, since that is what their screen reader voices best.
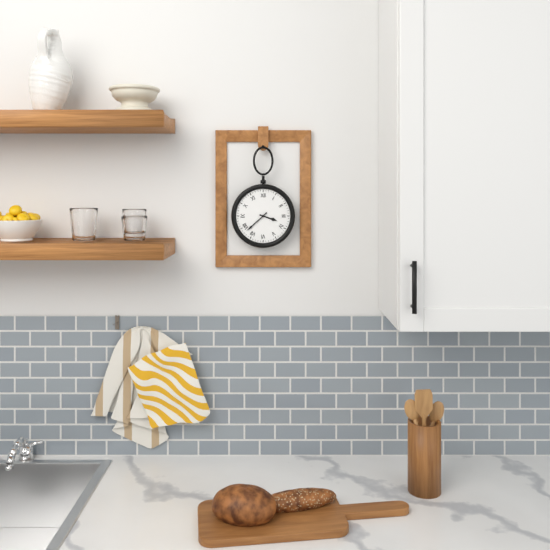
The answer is 3 h 38 min
